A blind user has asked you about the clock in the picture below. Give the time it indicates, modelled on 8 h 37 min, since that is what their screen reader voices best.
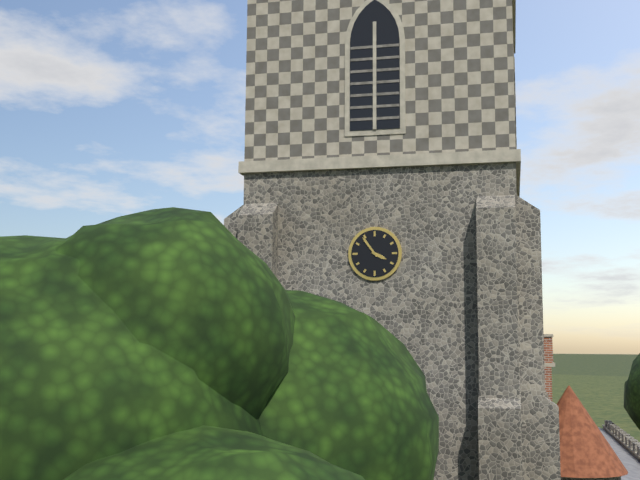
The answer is 3 h 54 min
